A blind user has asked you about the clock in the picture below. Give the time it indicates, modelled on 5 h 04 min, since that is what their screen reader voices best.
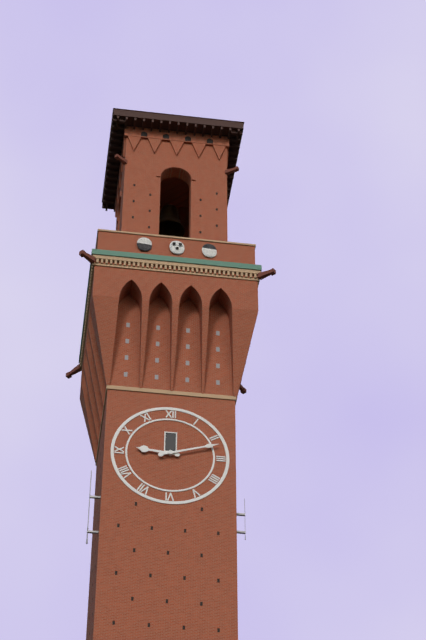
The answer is 9 h 12 min
